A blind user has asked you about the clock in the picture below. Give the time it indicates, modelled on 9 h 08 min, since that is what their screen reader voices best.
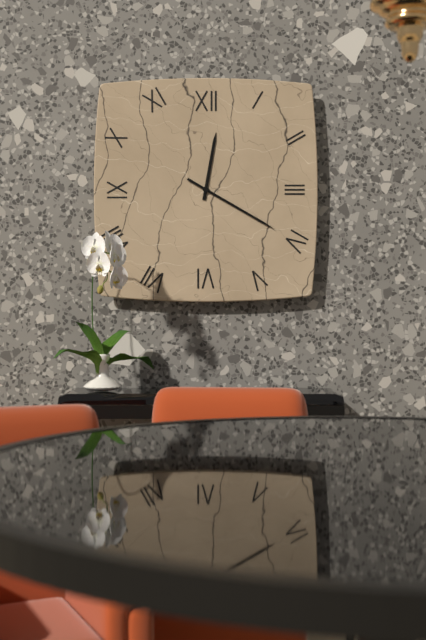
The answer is 12 h 20 min
